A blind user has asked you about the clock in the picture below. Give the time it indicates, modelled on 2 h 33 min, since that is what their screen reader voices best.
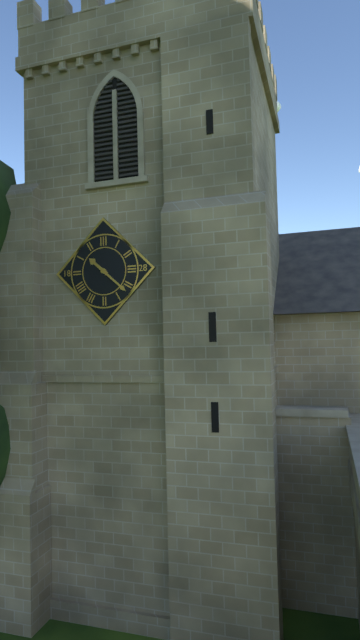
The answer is 10 h 22 min
